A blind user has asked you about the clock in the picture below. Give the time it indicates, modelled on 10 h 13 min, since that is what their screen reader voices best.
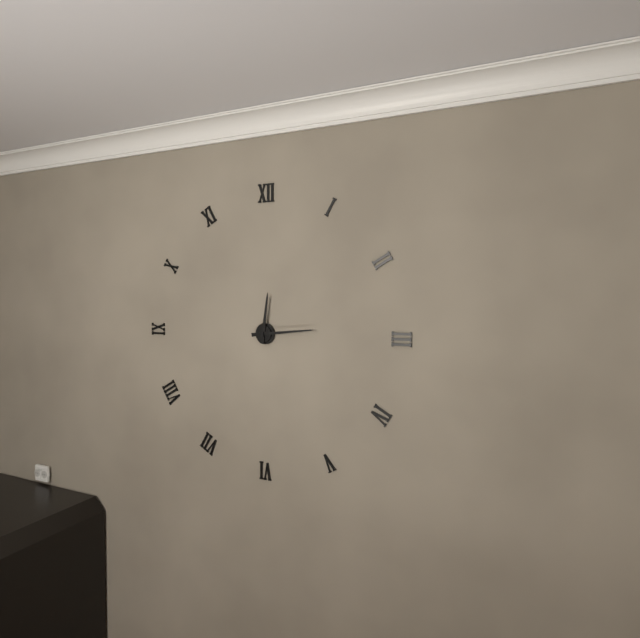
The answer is 12 h 14 min
